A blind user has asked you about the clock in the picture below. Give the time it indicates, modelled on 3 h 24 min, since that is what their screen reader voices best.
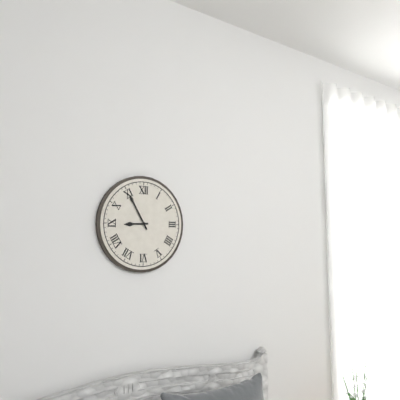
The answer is 8 h 55 min
